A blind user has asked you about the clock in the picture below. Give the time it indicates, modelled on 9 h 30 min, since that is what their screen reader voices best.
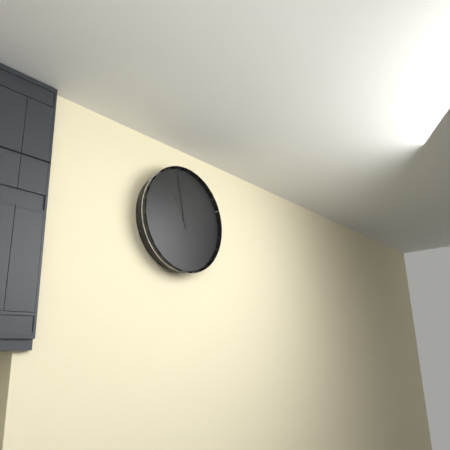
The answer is 10 h 58 min
